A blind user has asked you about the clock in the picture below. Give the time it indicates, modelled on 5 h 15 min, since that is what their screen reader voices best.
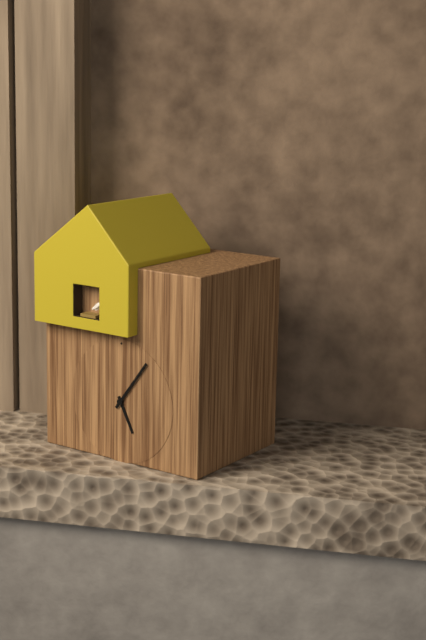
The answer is 5 h 06 min
